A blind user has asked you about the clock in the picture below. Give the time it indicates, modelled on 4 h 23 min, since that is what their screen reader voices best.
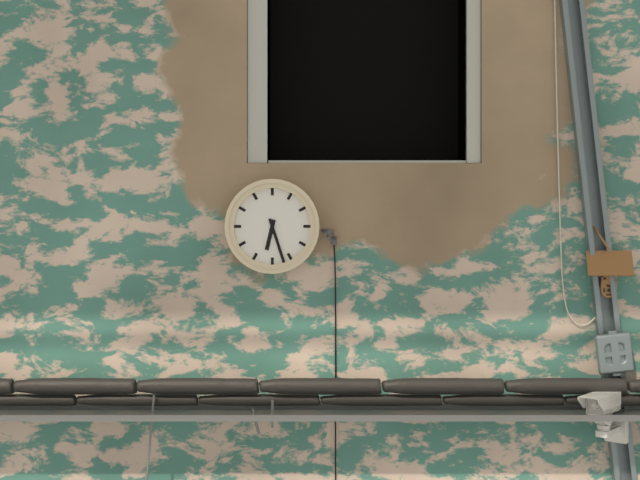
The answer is 6 h 27 min
